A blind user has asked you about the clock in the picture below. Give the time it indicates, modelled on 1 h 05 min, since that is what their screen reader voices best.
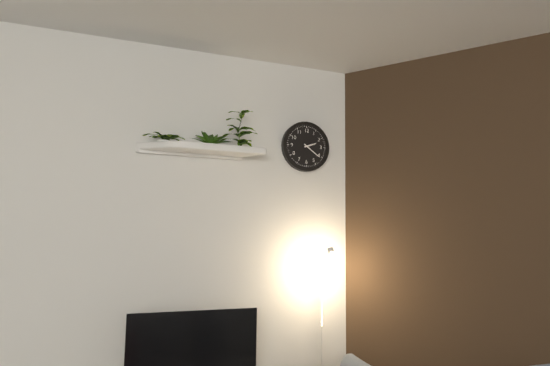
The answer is 2 h 21 min
